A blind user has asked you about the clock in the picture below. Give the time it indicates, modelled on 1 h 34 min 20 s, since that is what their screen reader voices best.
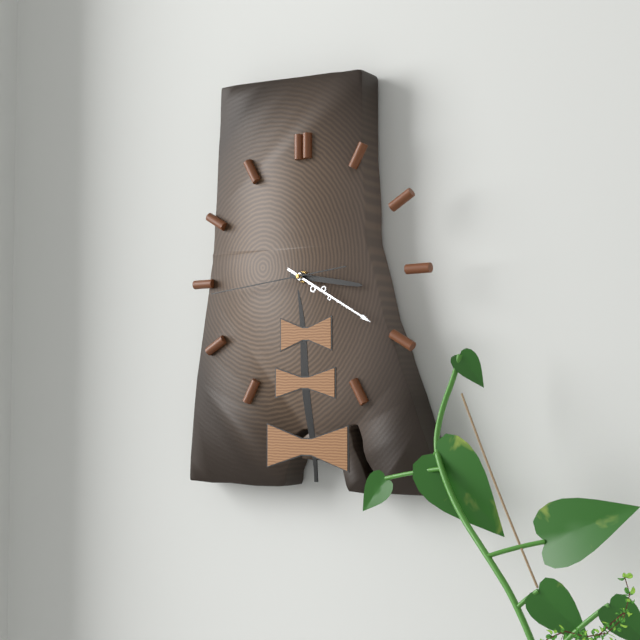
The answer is 3 h 20 min 44 s
